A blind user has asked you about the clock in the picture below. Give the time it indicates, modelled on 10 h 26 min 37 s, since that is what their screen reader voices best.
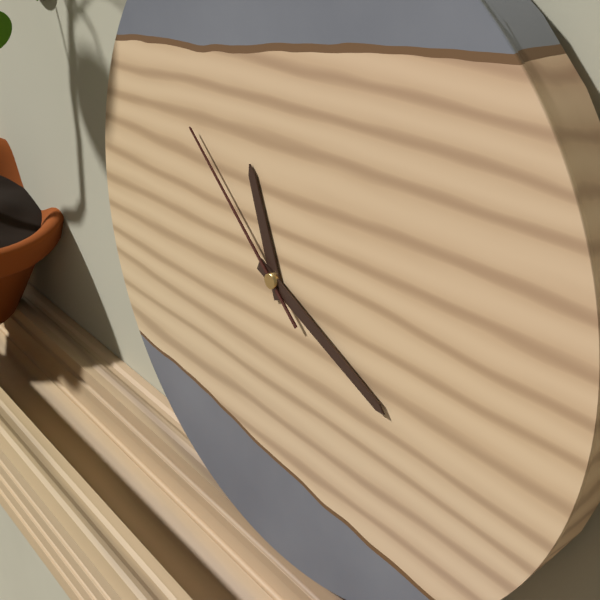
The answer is 11 h 19 min 52 s
